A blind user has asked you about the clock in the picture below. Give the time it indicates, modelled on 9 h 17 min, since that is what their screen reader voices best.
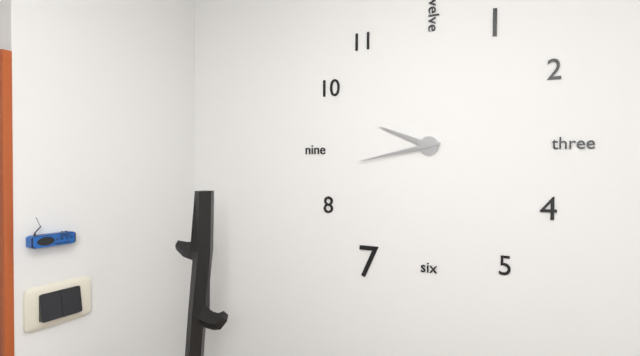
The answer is 9 h 43 min
